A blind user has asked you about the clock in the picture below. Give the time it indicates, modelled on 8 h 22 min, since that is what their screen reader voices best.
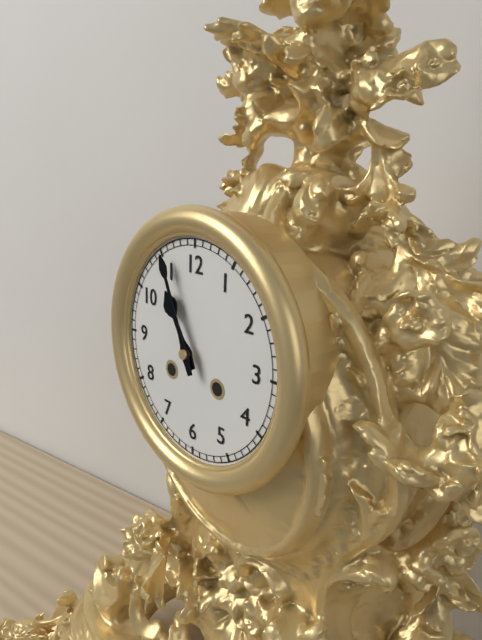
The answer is 10 h 56 min
